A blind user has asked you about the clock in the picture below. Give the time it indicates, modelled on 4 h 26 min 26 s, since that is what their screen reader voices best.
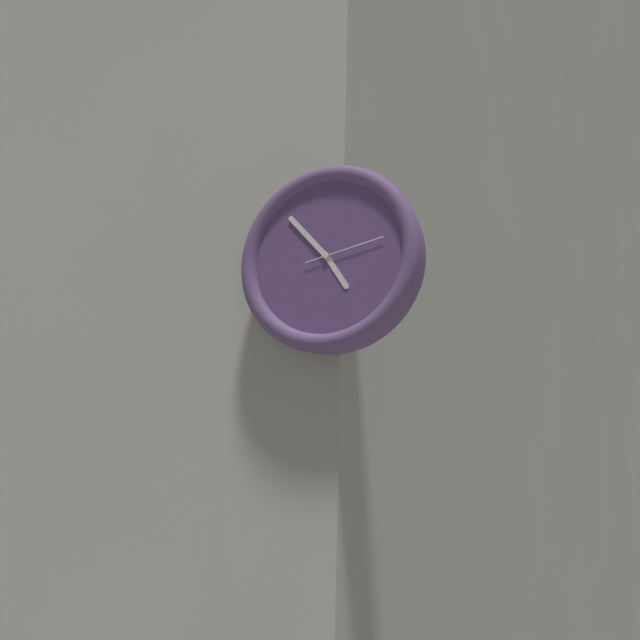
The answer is 4 h 53 min 13 s
